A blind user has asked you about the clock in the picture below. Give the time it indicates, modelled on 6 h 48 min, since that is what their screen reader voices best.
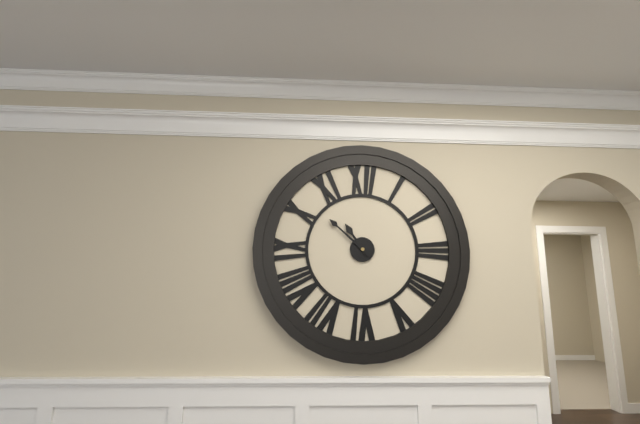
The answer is 10 h 52 min
